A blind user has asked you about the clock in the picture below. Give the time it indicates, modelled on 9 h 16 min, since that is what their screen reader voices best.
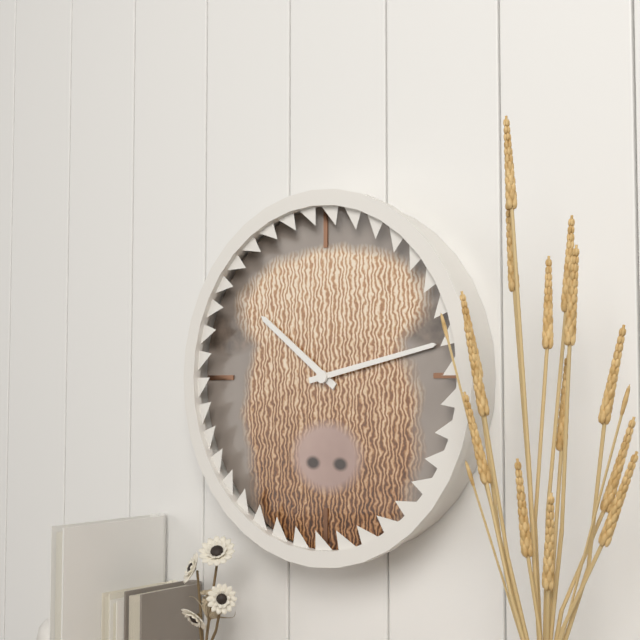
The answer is 10 h 13 min
